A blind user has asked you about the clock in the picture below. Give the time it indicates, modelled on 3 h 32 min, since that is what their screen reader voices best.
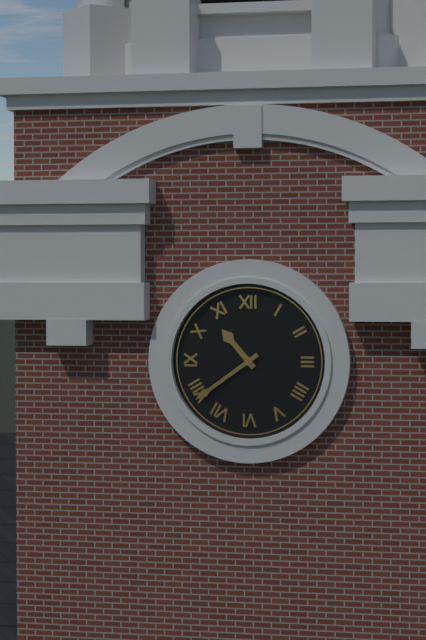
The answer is 10 h 39 min
